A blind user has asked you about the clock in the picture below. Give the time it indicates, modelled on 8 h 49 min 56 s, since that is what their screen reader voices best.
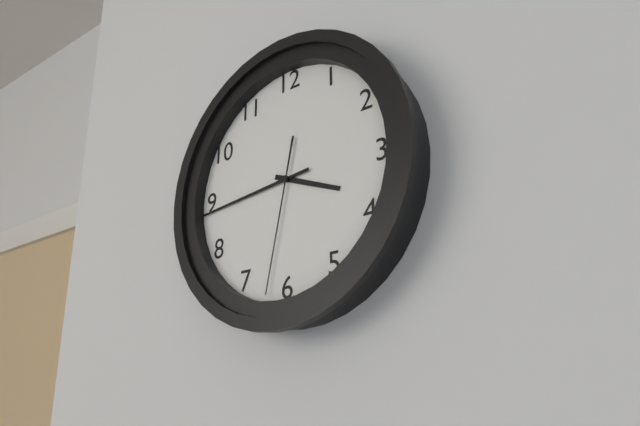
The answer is 3 h 44 min 32 s
